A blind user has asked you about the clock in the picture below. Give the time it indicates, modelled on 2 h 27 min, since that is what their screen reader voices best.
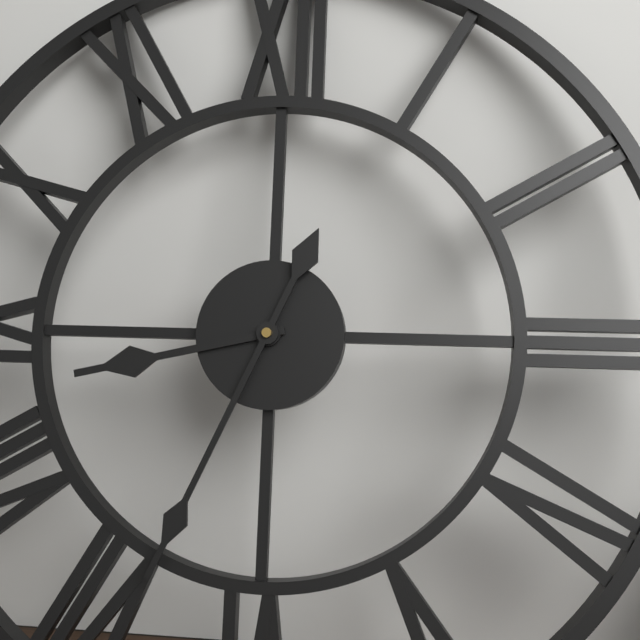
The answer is 8 h 34 min
